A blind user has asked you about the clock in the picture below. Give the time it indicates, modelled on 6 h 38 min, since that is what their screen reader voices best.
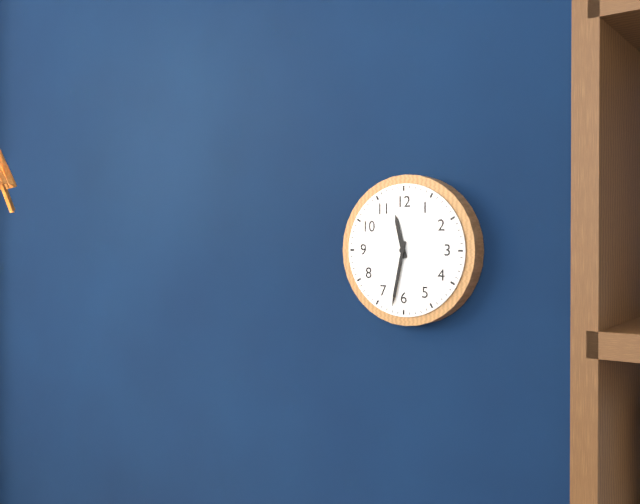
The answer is 11 h 32 min
